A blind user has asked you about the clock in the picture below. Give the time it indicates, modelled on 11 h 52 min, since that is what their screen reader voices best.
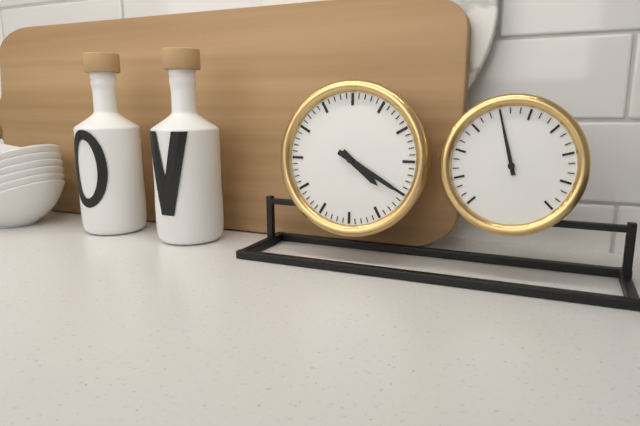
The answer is 4 h 20 min
